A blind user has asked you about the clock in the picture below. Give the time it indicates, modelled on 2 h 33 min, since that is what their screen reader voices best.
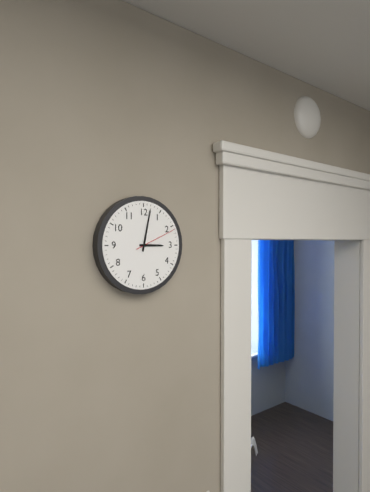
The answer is 3 h 02 min
